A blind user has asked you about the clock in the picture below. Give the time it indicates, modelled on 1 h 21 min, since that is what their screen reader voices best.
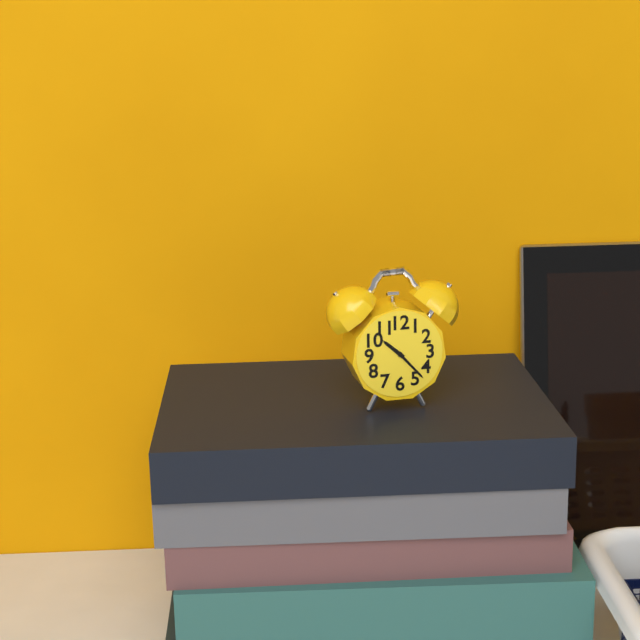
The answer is 10 h 23 min
